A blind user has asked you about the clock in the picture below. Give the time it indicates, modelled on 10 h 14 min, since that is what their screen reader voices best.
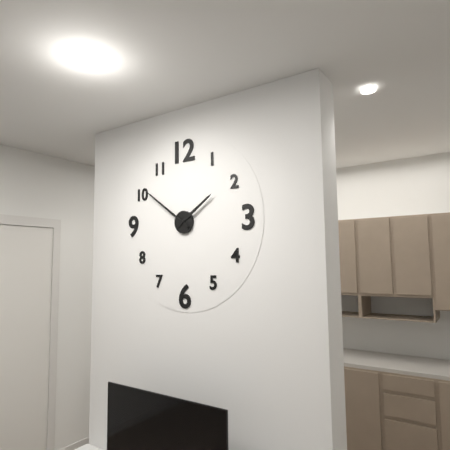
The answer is 1 h 51 min
